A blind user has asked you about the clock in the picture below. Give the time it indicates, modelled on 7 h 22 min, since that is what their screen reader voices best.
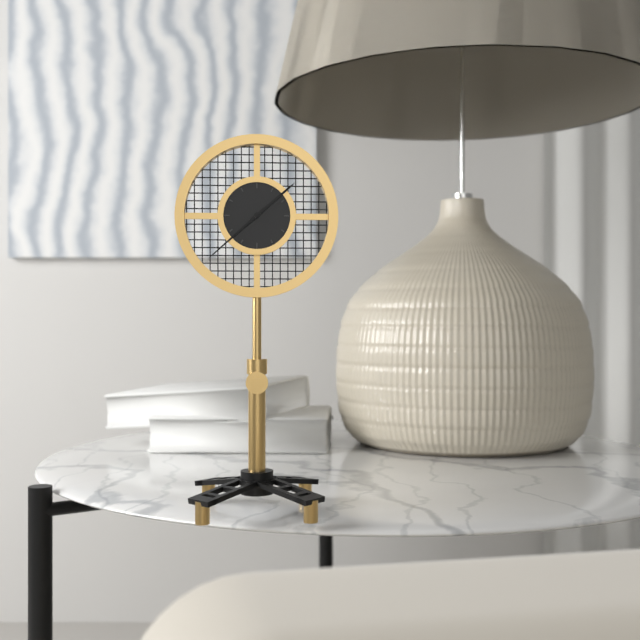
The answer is 1 h 38 min
